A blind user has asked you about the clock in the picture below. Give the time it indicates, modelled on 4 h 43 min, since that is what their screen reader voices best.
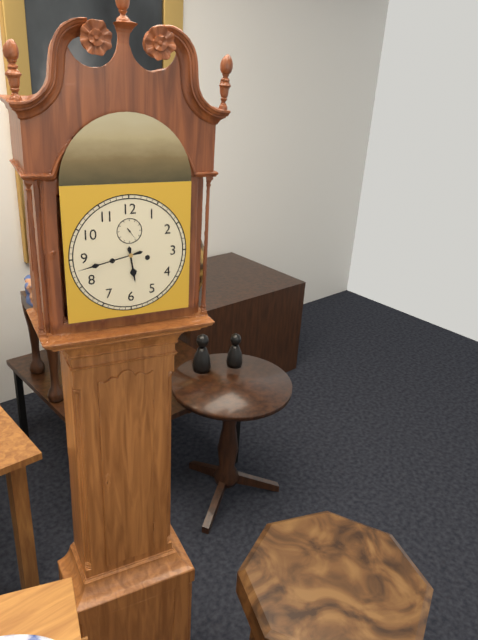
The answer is 5 h 43 min
